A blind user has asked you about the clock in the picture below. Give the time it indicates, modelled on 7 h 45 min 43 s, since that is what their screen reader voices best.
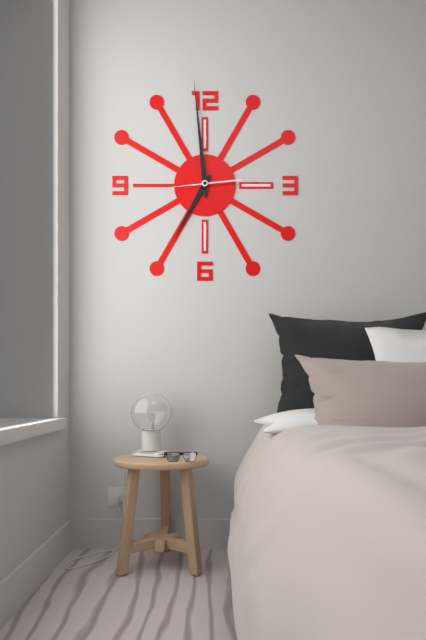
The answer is 6 h 59 min 44 s
